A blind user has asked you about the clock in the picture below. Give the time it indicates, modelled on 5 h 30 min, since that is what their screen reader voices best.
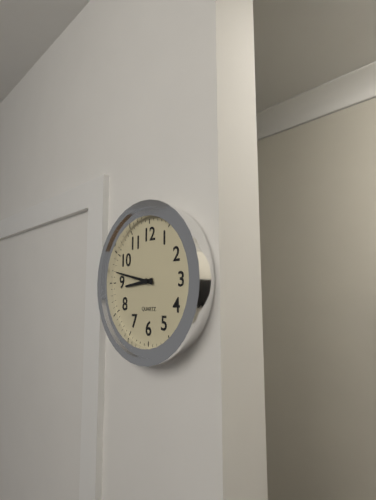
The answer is 8 h 47 min
